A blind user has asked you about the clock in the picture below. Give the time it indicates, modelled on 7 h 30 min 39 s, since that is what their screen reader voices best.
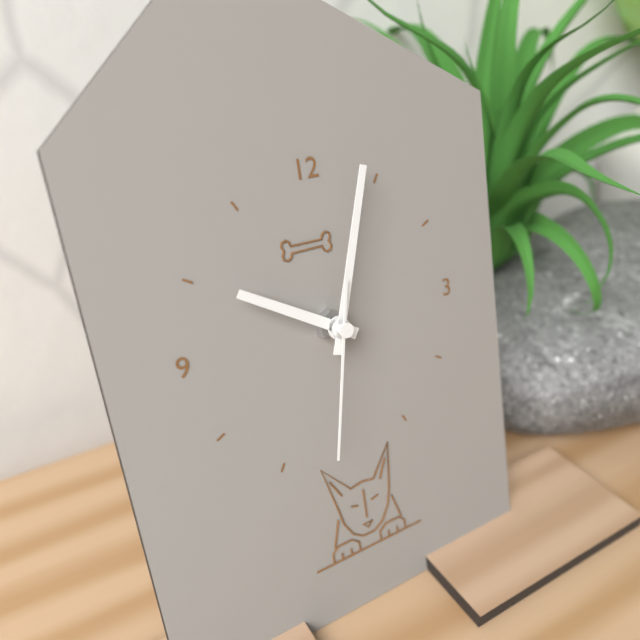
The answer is 10 h 03 min 32 s
